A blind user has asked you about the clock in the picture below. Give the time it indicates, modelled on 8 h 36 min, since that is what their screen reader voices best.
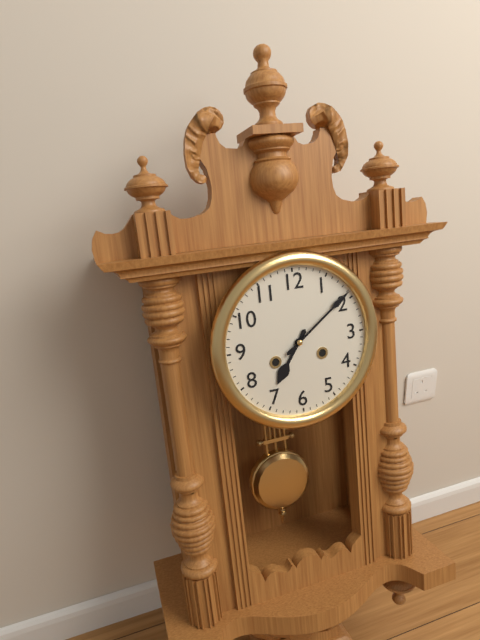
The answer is 7 h 09 min
